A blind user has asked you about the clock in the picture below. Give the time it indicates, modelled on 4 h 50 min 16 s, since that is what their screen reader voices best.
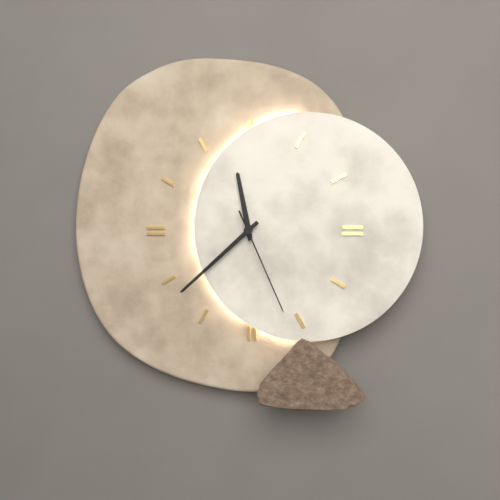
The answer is 11 h 38 min 26 s
